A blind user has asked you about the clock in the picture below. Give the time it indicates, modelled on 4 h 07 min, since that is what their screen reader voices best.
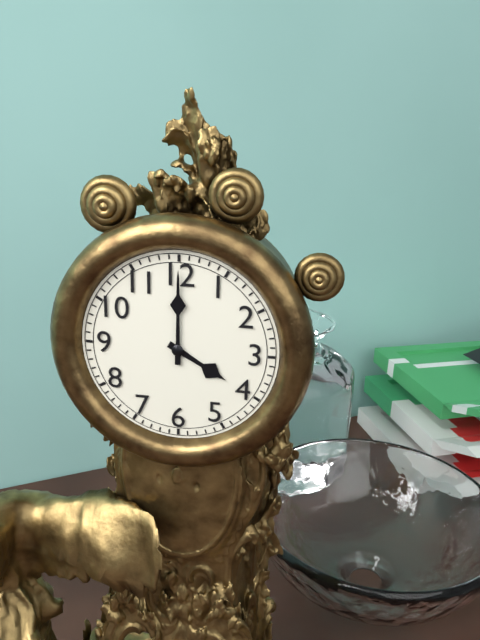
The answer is 4 h 00 min
